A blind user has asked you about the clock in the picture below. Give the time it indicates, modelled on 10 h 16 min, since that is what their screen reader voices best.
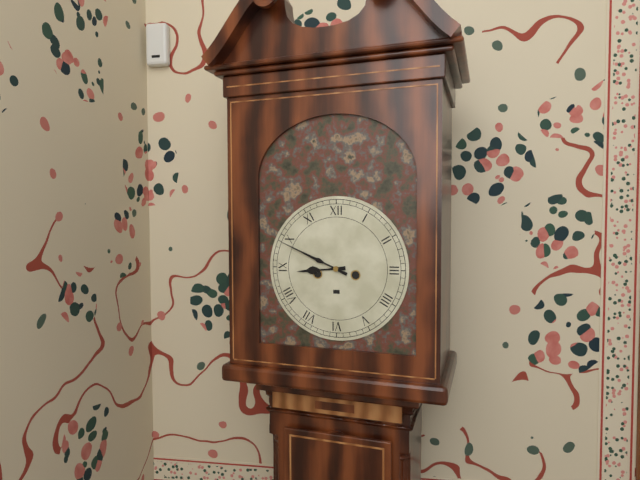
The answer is 8 h 49 min
